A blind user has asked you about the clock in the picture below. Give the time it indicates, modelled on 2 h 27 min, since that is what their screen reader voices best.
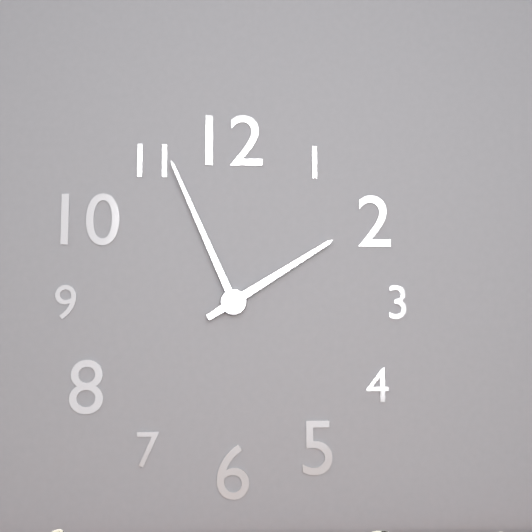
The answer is 1 h 56 min
